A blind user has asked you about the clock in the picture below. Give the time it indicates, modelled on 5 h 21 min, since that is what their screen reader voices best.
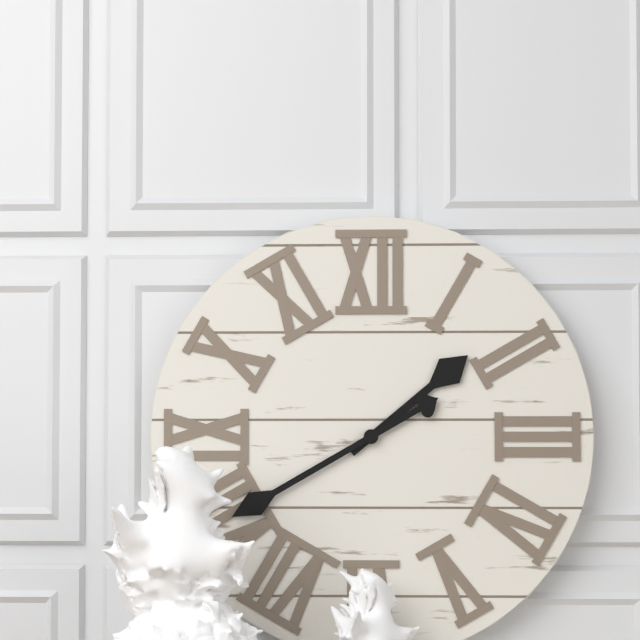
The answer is 1 h 40 min
